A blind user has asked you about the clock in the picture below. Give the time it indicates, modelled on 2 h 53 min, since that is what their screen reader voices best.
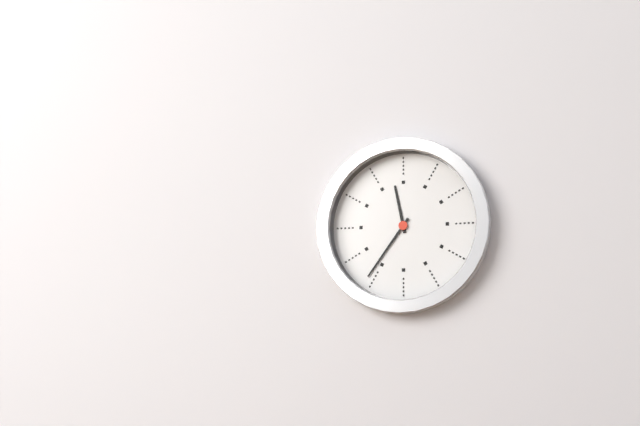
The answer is 11 h 36 min
